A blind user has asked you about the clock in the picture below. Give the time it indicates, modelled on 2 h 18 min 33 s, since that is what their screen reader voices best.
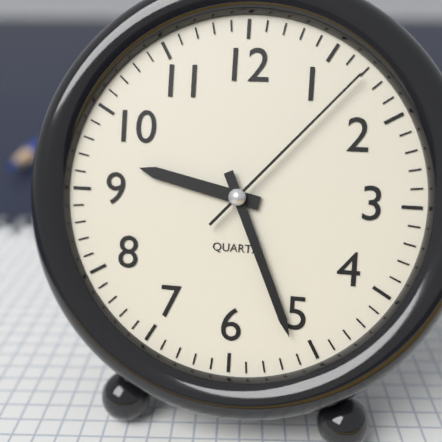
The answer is 9 h 26 min 07 s
